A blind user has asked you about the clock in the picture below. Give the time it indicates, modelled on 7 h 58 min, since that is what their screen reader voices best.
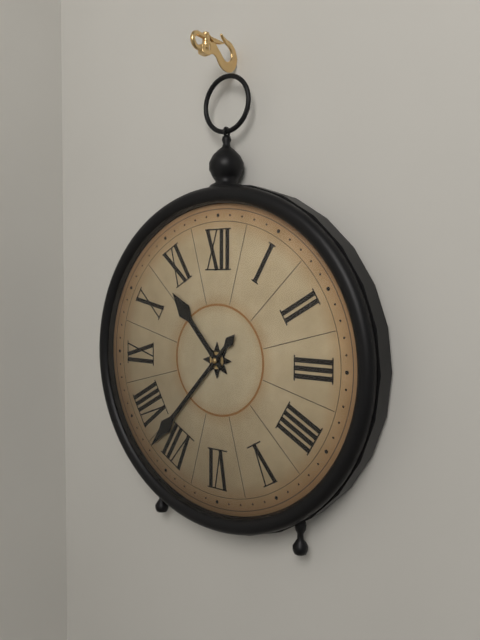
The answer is 10 h 37 min
